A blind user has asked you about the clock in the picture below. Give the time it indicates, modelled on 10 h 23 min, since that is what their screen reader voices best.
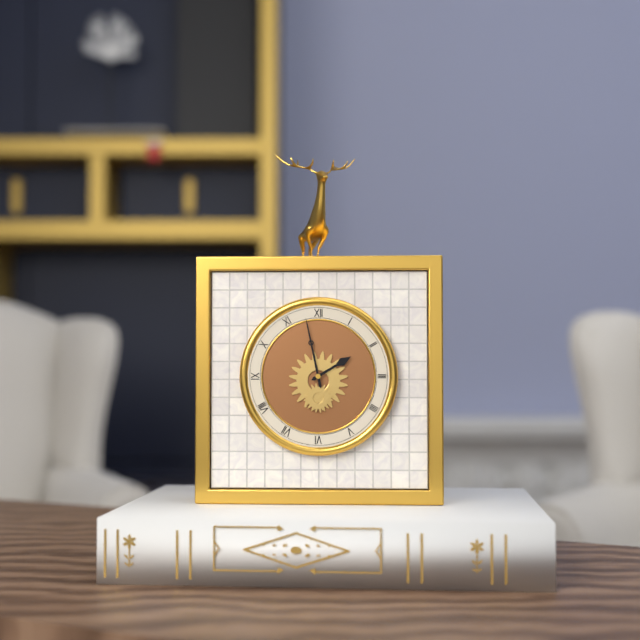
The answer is 1 h 58 min
